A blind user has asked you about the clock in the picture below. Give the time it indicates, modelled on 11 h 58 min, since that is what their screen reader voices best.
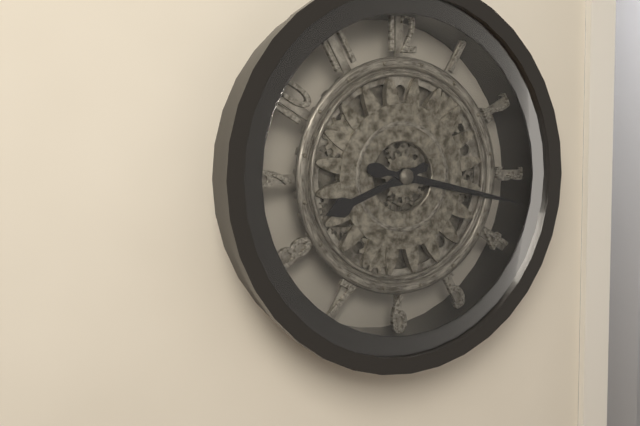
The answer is 8 h 17 min
